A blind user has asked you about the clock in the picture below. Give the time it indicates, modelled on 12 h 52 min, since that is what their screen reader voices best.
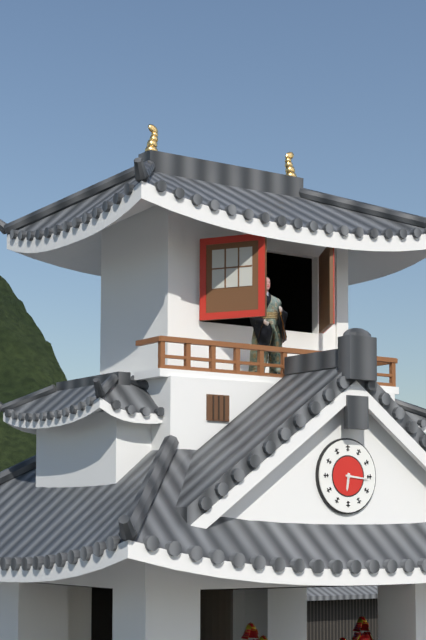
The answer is 6 h 16 min
